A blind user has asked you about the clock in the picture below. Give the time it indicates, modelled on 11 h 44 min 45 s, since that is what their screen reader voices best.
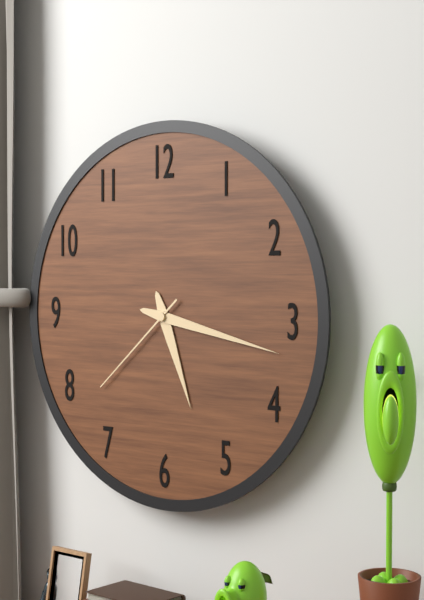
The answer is 5 h 17 min 38 s
